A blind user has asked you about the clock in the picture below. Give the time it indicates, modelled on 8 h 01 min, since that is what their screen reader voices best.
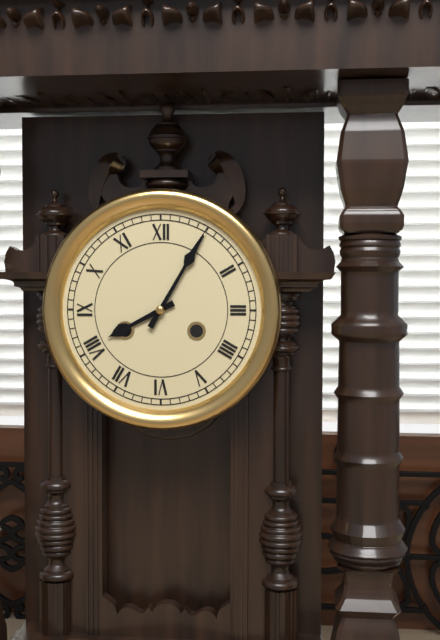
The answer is 8 h 05 min
